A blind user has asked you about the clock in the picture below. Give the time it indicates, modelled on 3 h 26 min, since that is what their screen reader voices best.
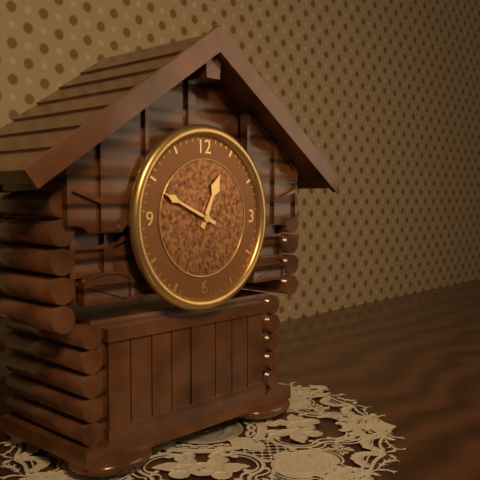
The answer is 12 h 49 min
